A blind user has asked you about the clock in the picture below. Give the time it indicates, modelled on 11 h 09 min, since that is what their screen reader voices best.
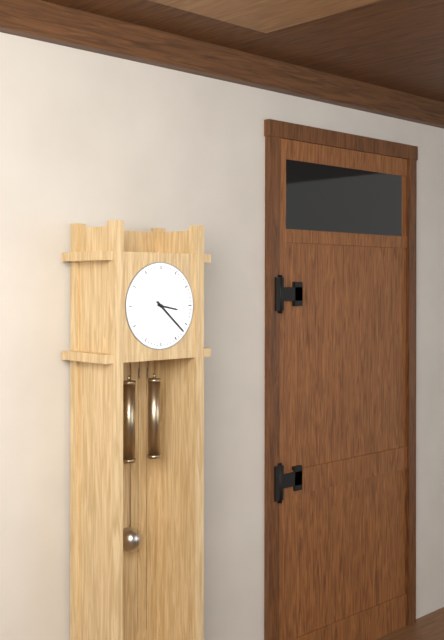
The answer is 3 h 22 min
